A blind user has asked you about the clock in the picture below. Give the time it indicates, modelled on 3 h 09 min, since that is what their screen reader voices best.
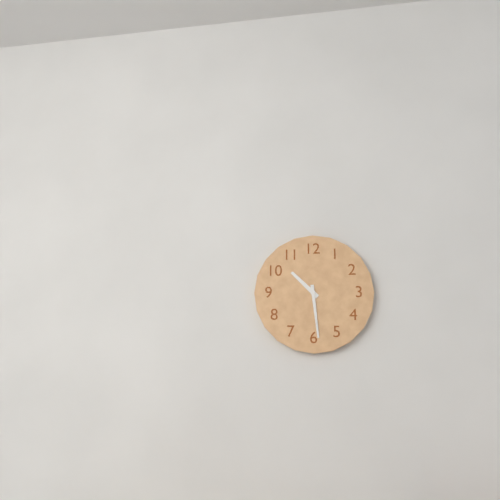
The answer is 10 h 29 min
